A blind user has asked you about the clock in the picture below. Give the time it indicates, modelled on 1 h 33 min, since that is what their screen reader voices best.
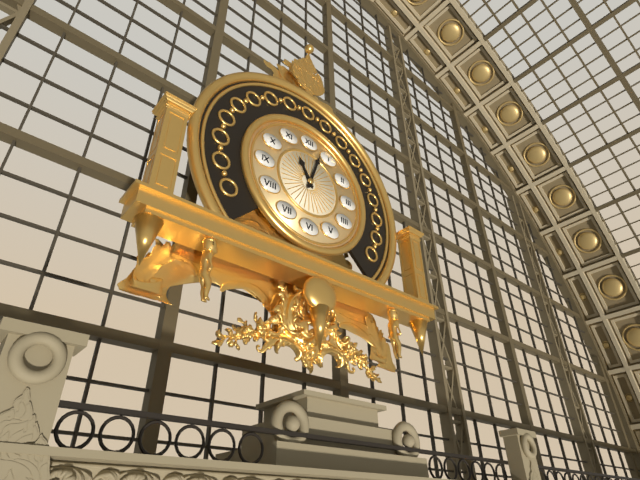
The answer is 11 h 03 min
